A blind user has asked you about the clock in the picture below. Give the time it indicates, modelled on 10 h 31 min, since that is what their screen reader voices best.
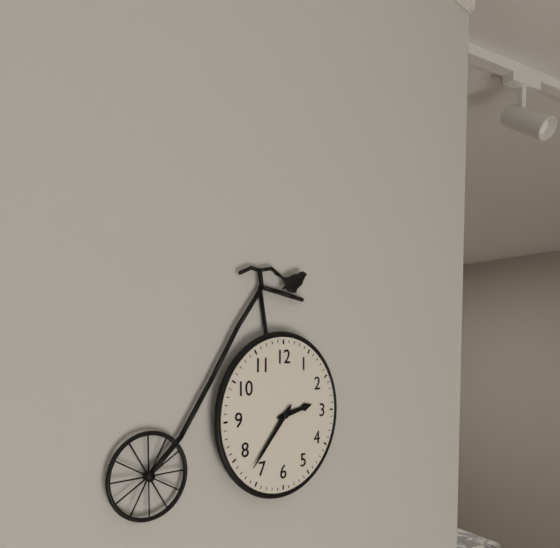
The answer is 2 h 37 min
